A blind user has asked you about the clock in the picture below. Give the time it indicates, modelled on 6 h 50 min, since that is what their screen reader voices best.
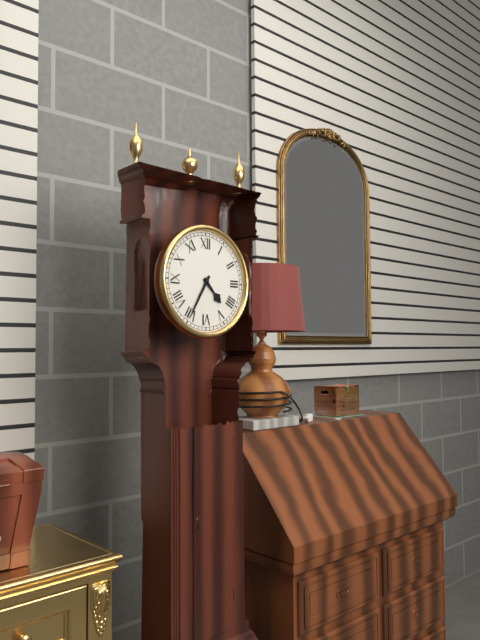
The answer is 4 h 35 min
